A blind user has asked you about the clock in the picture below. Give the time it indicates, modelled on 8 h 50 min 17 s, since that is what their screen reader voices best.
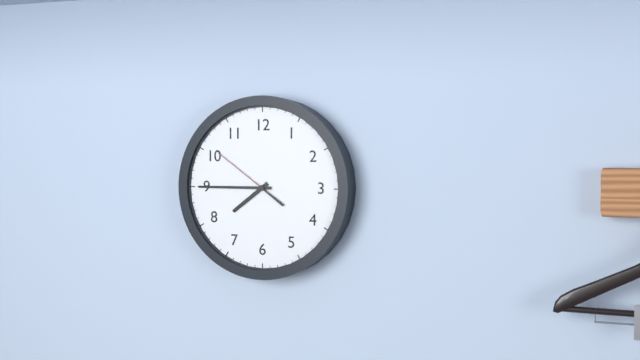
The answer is 7 h 45 min 51 s
